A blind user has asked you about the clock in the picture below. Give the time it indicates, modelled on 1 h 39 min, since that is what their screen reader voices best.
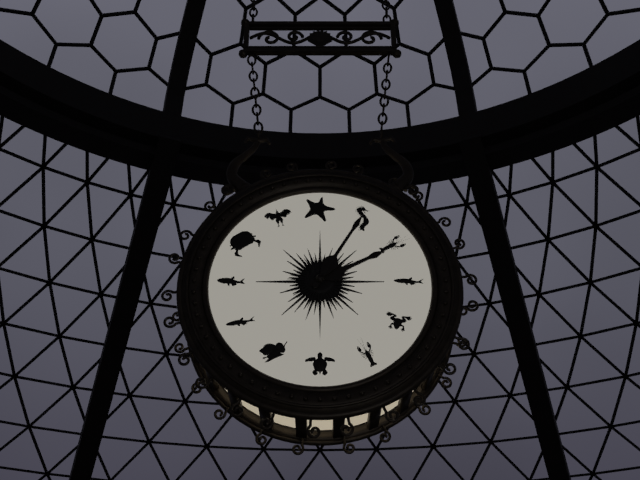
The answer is 2 h 05 min
